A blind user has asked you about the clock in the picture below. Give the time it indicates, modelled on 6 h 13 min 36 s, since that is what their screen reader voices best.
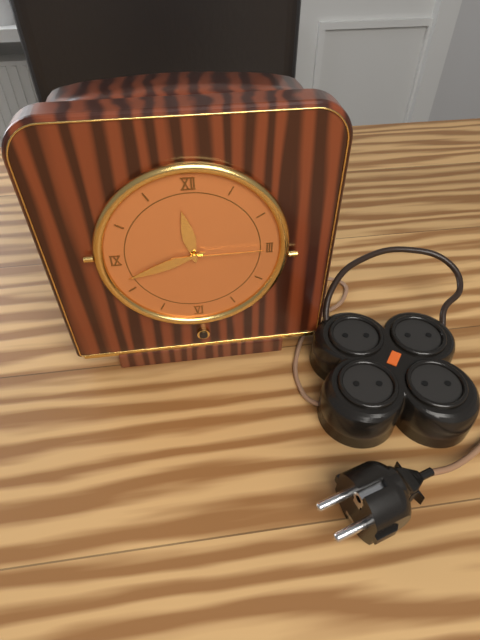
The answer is 11 h 42 min 15 s
